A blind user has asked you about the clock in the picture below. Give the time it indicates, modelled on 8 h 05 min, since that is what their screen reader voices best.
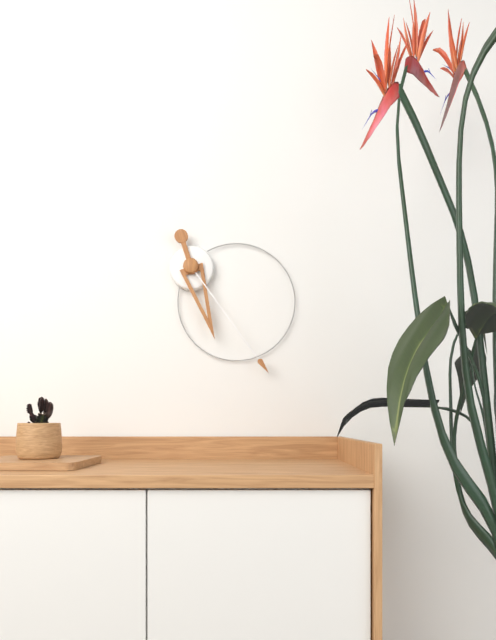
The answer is 5 h 24 min
